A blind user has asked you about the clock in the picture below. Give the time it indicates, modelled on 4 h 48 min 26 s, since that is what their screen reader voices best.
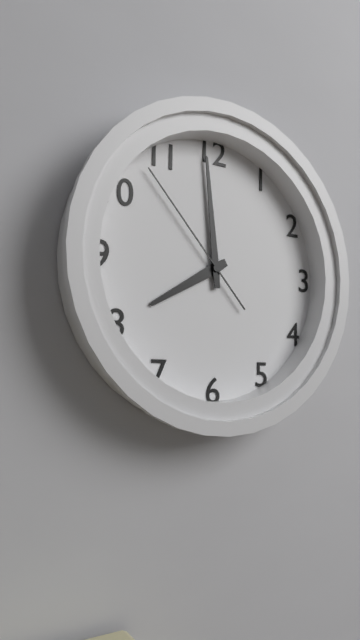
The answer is 7 h 59 min 53 s
